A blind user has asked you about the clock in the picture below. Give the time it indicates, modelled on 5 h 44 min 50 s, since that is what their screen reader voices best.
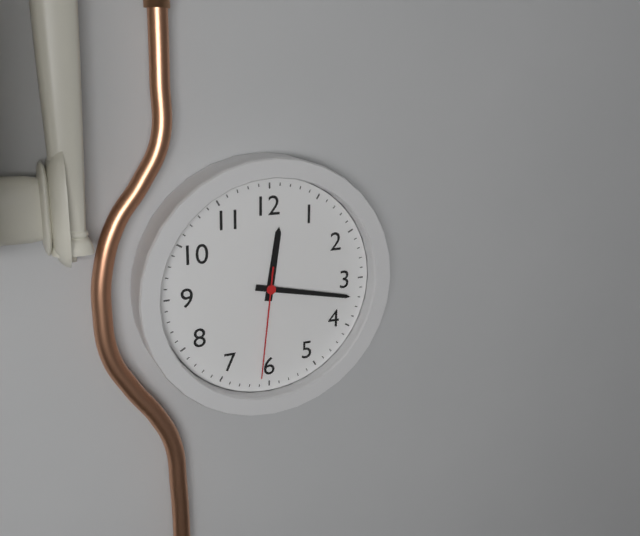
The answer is 12 h 17 min 31 s
